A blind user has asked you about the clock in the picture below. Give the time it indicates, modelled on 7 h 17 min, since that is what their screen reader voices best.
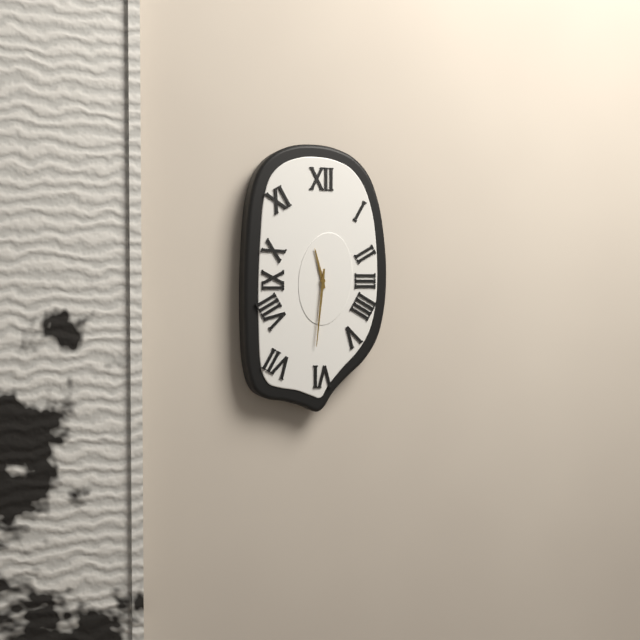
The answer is 11 h 31 min
